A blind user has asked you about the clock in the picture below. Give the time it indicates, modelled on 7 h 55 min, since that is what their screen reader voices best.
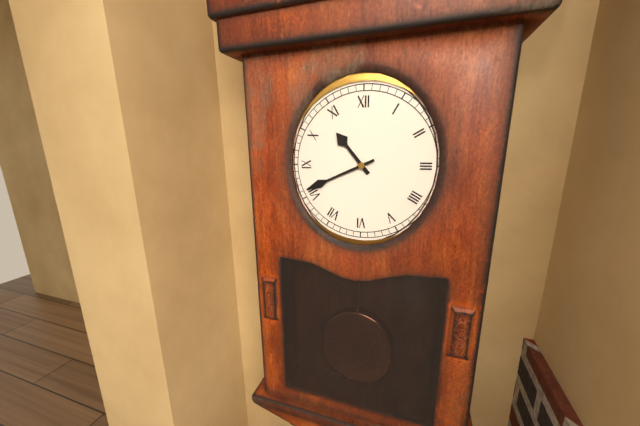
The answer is 10 h 41 min
